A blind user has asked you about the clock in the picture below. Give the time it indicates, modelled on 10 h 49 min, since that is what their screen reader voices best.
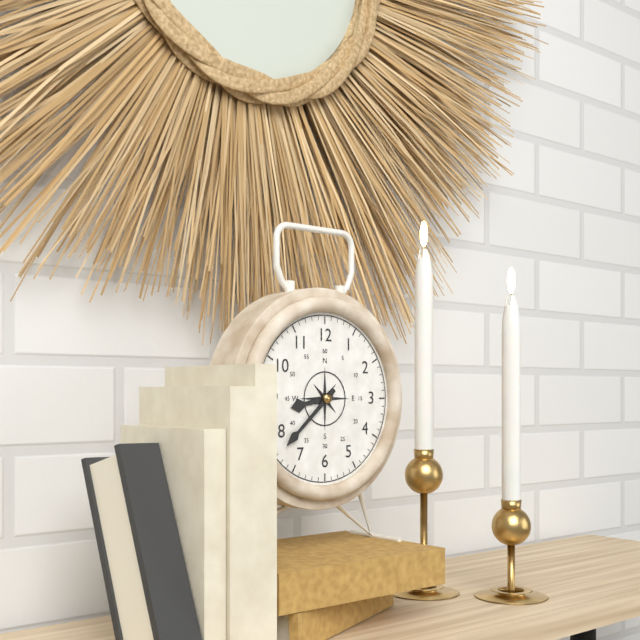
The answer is 8 h 38 min
